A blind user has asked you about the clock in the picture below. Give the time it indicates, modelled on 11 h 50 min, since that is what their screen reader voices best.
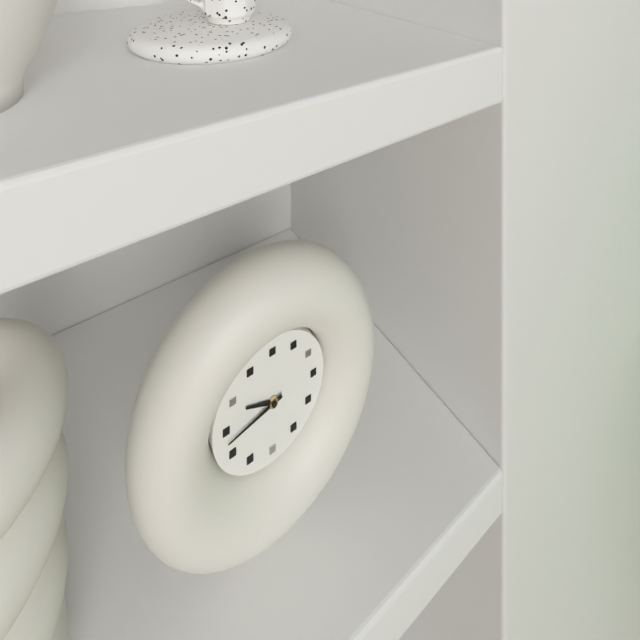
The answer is 9 h 43 min
